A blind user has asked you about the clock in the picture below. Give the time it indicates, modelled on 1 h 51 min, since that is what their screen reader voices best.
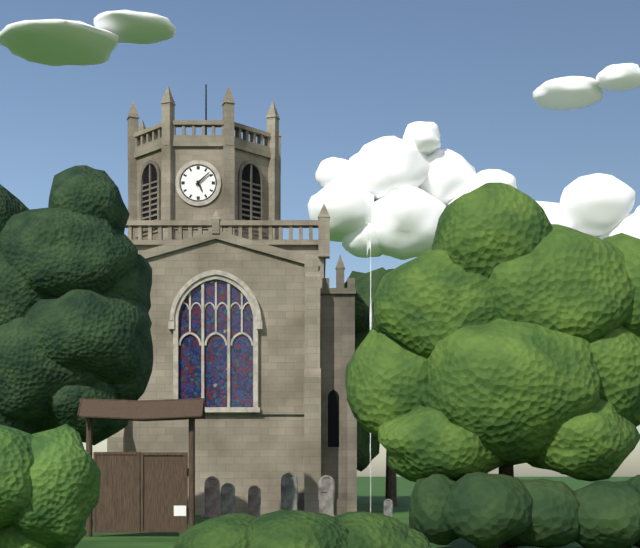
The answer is 5 h 08 min
